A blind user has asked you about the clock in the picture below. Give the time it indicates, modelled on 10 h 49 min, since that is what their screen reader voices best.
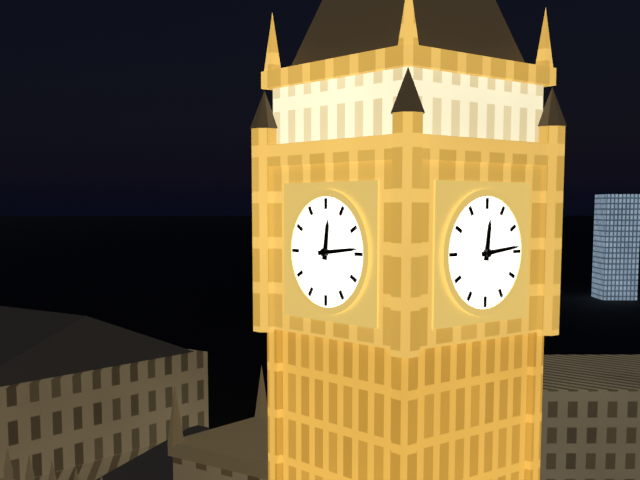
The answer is 12 h 14 min
